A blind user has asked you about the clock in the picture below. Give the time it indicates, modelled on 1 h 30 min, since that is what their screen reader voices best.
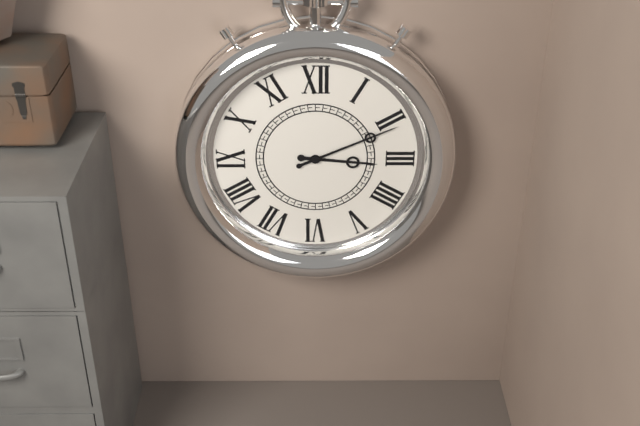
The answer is 3 h 11 min
